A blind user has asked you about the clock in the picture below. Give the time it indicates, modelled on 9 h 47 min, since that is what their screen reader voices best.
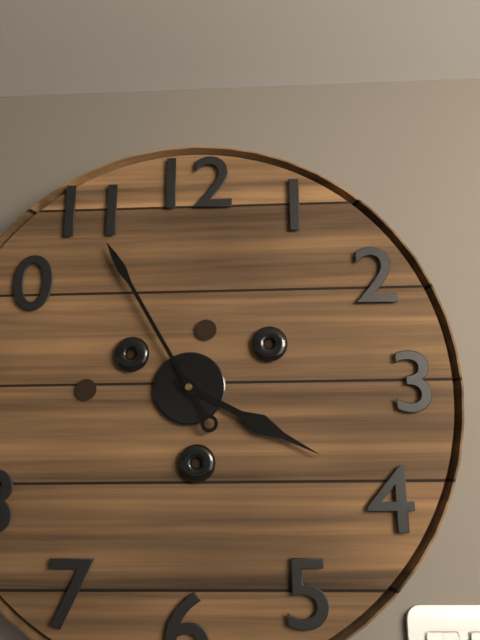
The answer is 3 h 55 min
